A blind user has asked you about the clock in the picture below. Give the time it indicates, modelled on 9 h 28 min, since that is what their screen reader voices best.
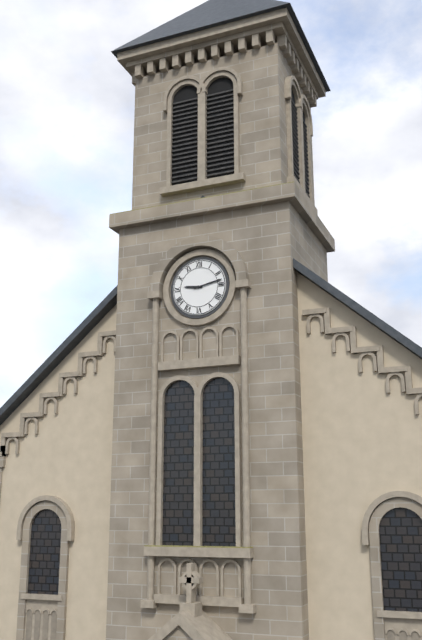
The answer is 9 h 13 min
